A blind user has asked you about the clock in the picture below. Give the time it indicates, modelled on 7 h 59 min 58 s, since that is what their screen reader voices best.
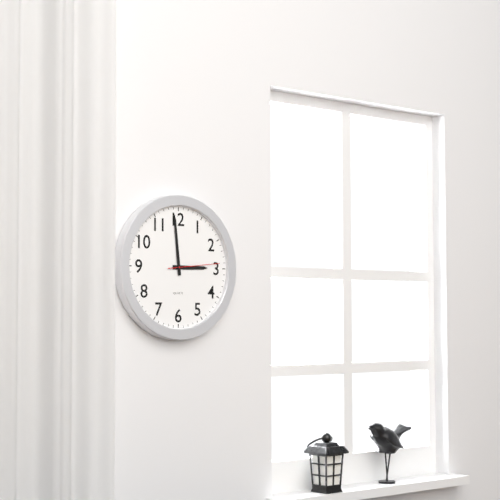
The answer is 2 h 59 min 14 s
